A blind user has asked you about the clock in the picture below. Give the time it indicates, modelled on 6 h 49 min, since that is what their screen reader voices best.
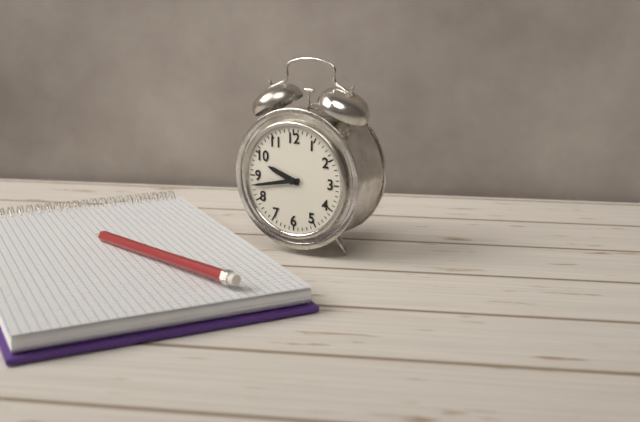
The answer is 9 h 43 min
